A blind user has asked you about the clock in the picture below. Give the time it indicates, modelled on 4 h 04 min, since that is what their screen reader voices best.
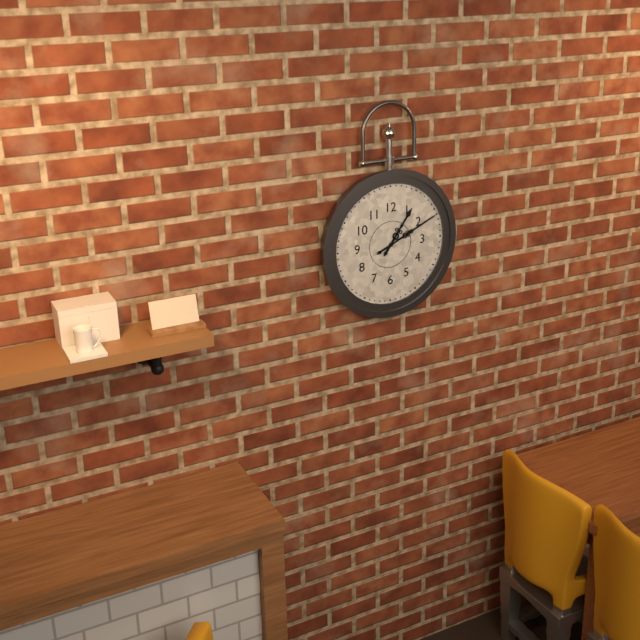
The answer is 1 h 11 min
